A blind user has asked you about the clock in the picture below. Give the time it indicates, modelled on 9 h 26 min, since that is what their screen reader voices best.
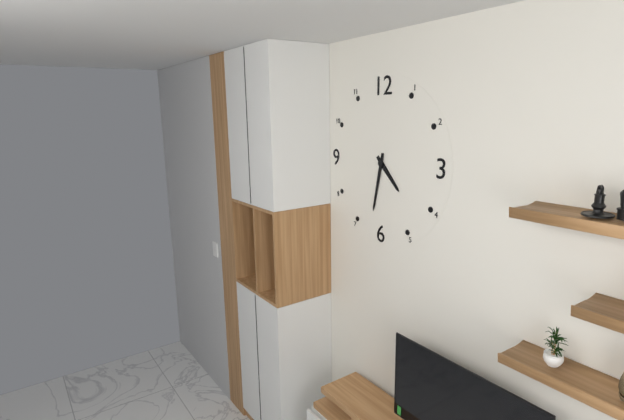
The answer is 4 h 32 min
